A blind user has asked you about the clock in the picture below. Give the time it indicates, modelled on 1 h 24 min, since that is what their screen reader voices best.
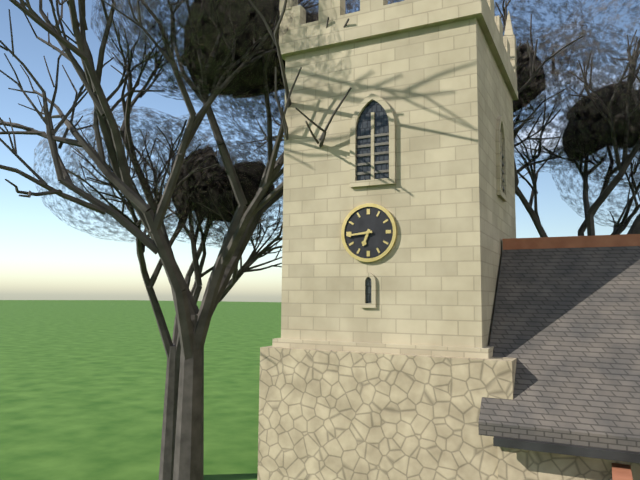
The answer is 6 h 44 min
